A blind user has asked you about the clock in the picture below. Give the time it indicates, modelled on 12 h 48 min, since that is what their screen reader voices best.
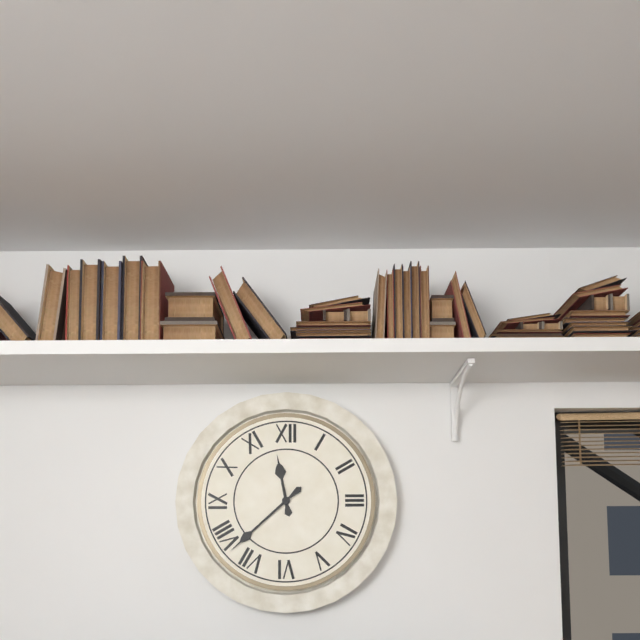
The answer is 11 h 38 min
